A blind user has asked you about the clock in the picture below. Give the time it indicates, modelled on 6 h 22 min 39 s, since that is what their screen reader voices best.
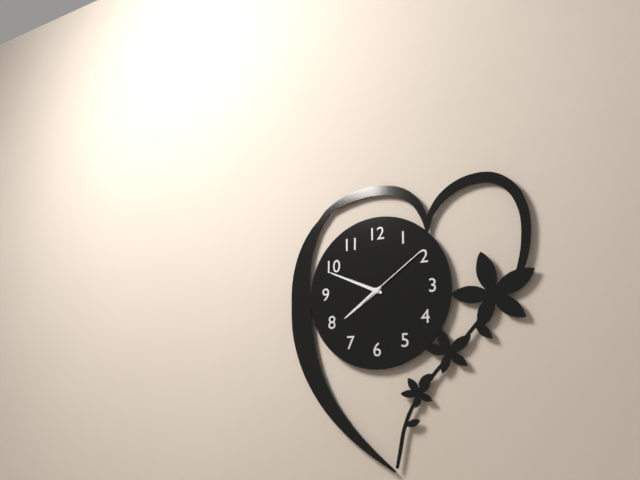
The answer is 7 h 49 min 09 s
